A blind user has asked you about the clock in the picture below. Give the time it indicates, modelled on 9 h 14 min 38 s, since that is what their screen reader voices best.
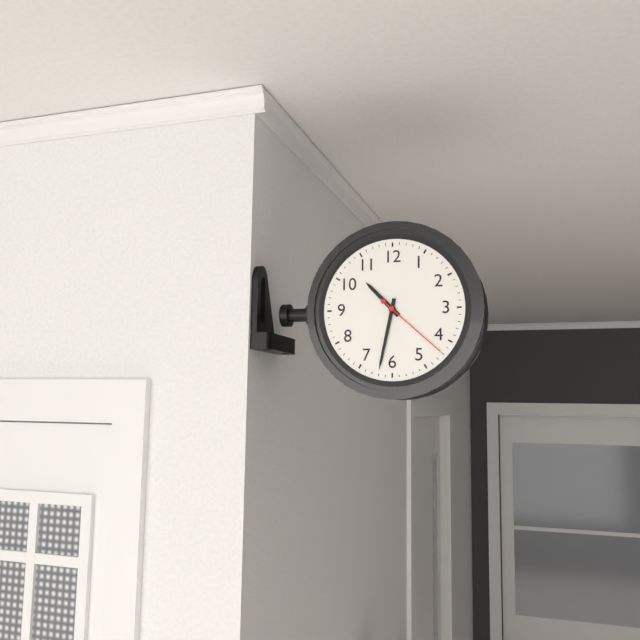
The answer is 10 h 32 min 22 s
